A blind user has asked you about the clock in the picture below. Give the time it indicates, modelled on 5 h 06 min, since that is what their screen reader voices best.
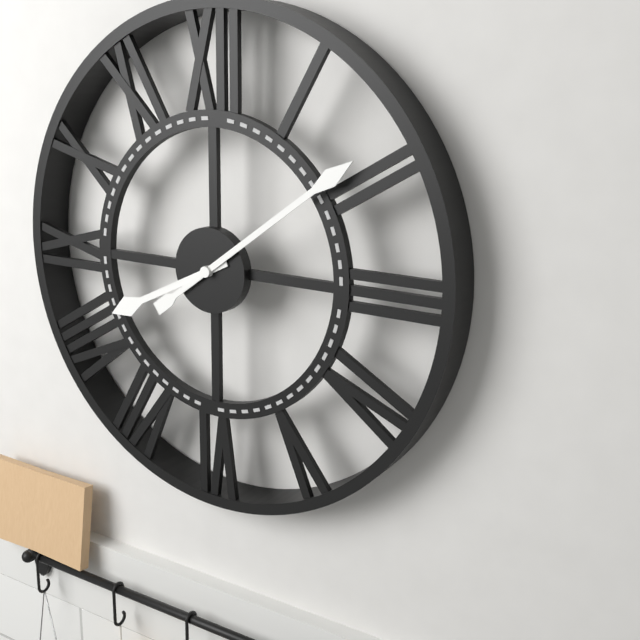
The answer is 8 h 09 min
